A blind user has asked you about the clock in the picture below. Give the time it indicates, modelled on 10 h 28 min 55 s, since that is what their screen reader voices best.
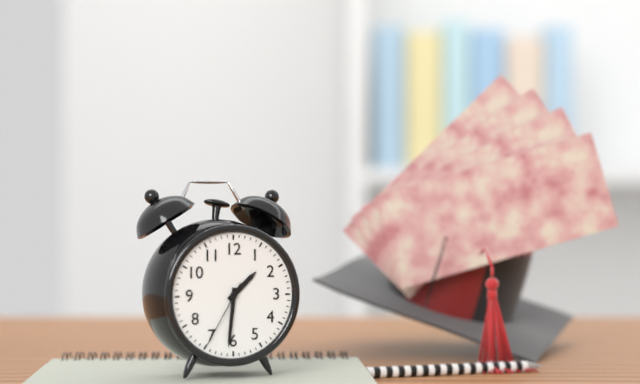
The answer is 1 h 31 min 35 s
